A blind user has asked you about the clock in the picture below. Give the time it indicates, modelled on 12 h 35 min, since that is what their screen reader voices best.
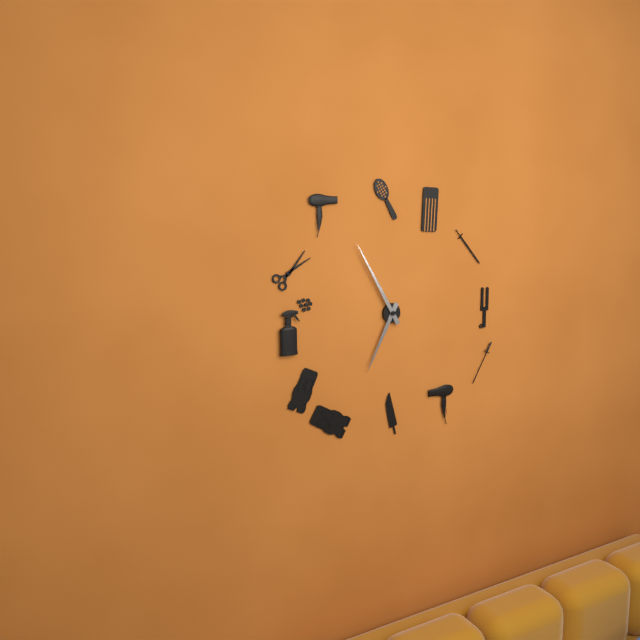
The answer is 6 h 55 min
